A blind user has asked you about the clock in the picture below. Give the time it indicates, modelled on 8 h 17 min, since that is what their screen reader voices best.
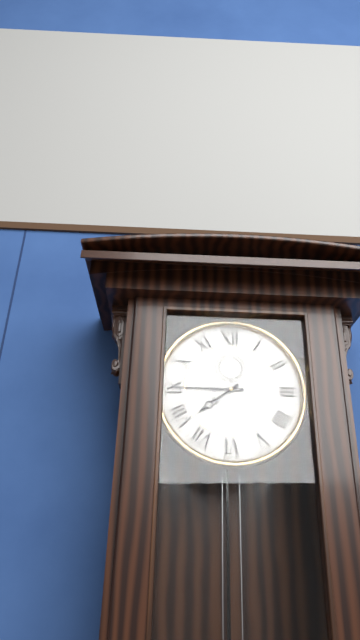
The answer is 7 h 45 min
